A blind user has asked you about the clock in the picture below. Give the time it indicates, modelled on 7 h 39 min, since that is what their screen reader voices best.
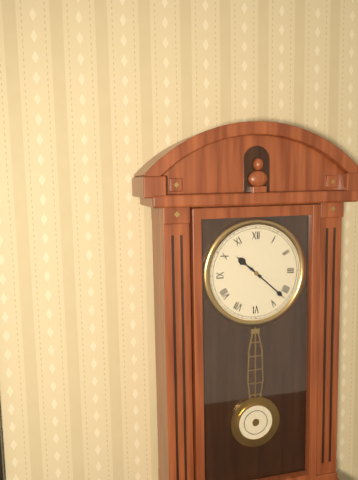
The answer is 10 h 22 min
